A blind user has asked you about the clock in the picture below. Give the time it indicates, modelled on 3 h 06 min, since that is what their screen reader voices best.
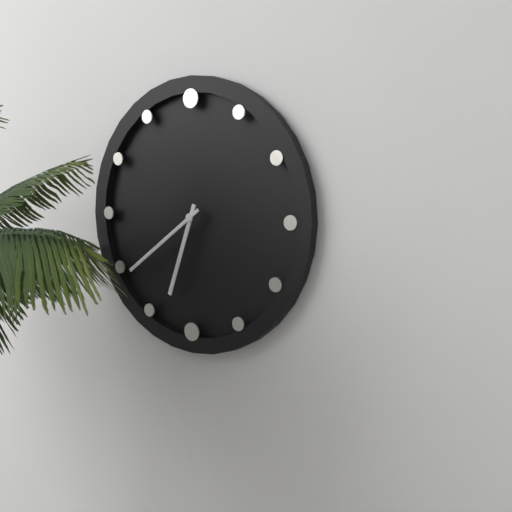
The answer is 6 h 39 min
